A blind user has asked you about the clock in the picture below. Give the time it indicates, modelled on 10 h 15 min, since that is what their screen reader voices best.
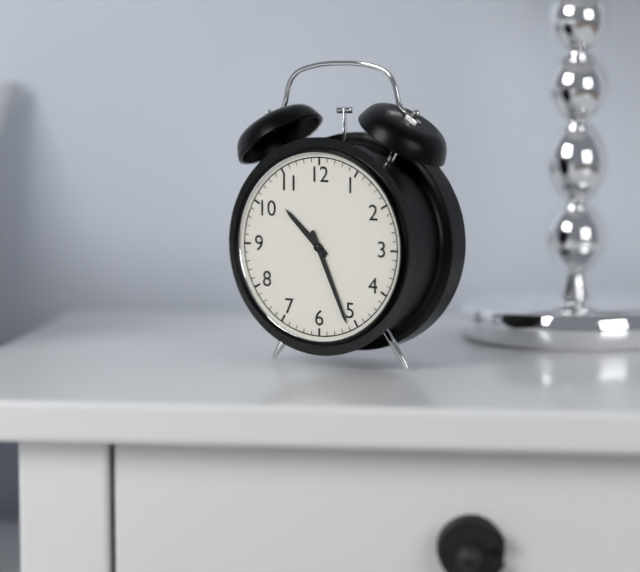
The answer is 10 h 26 min
